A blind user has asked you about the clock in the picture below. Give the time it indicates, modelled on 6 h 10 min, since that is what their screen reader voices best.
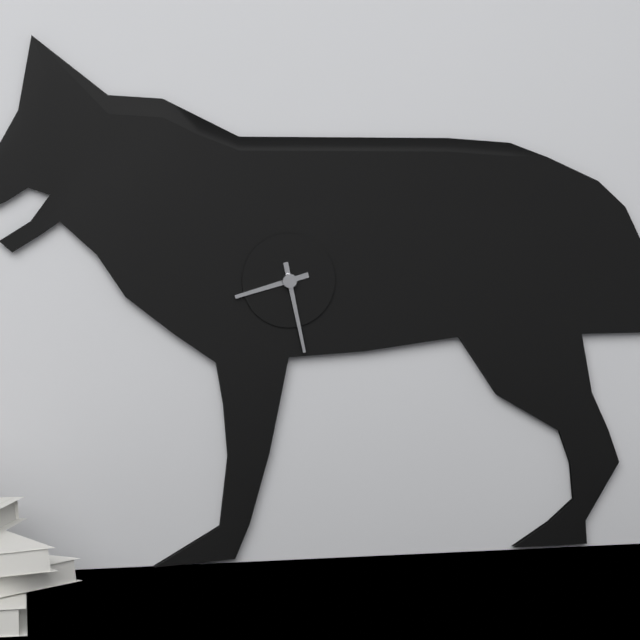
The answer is 8 h 28 min
